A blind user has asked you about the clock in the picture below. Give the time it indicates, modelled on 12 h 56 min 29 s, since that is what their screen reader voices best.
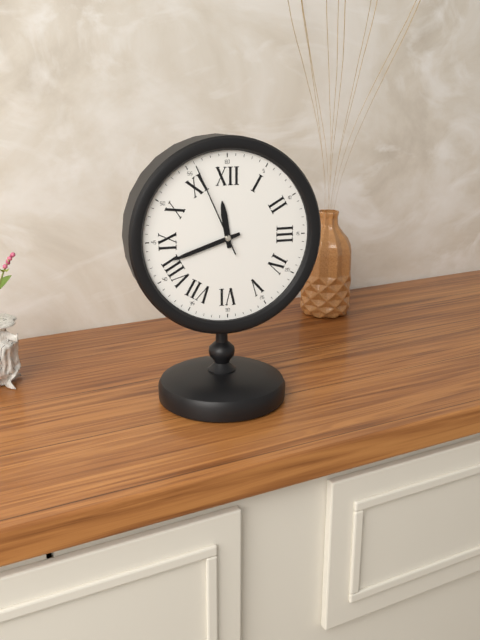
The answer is 11 h 42 min 56 s
